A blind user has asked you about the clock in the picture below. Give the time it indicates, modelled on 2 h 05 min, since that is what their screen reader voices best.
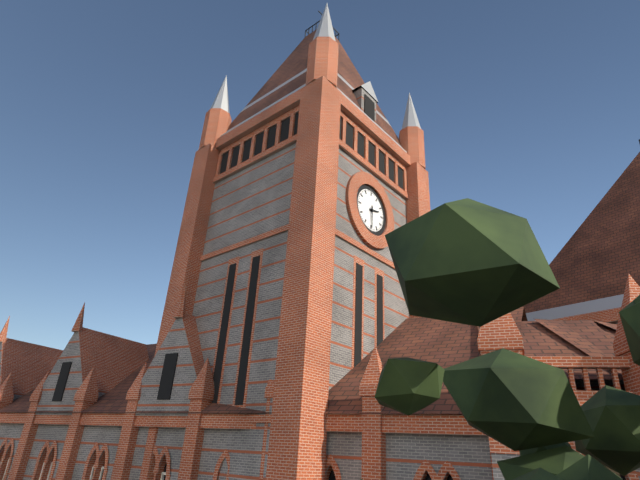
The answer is 2 h 30 min
